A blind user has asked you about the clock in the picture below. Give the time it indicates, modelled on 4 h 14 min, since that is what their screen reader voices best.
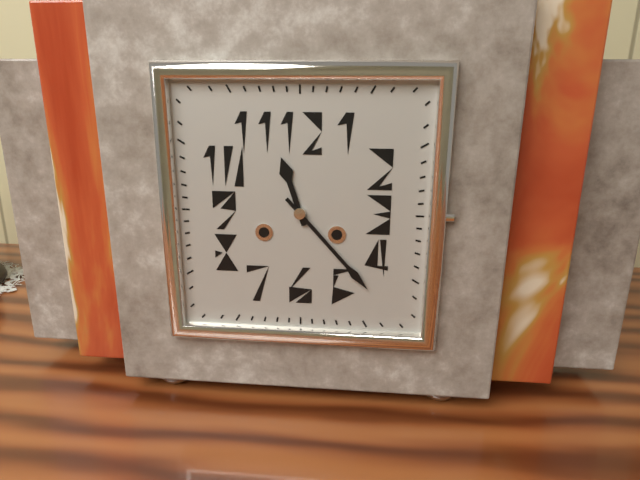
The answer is 11 h 23 min
